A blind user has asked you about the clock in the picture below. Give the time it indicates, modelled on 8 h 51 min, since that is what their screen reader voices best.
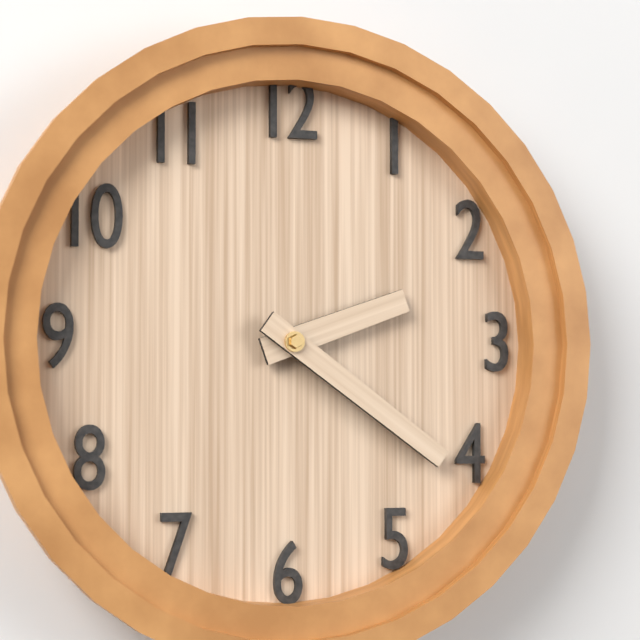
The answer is 2 h 21 min
